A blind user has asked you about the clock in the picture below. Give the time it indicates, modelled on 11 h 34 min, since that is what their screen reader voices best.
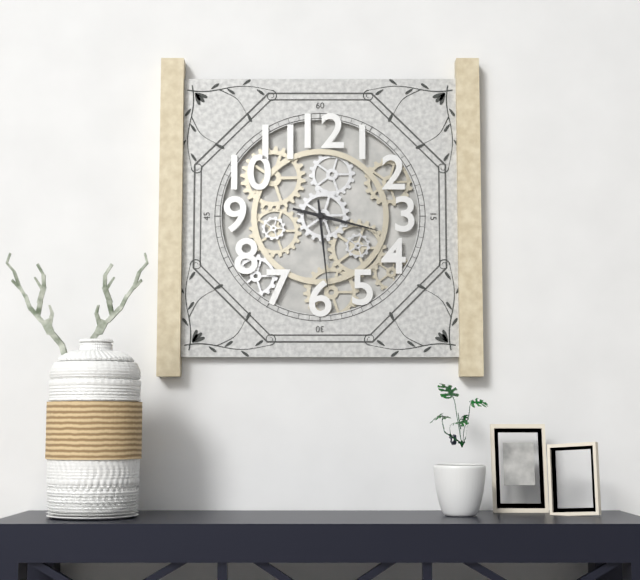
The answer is 3 h 29 min
